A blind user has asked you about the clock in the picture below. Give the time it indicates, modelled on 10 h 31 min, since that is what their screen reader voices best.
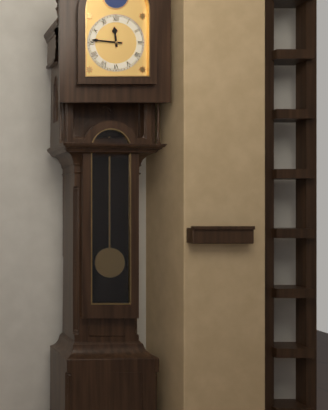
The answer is 11 h 46 min
